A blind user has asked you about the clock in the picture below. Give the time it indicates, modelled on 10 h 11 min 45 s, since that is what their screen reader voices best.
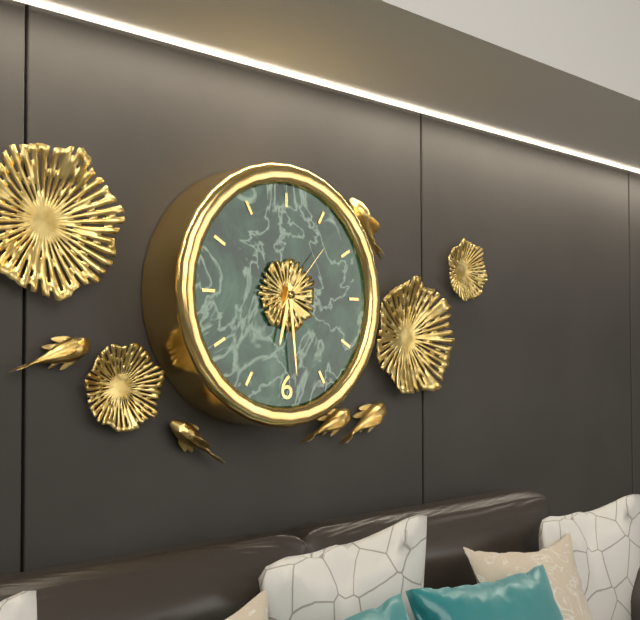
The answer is 6 h 29 min 07 s
